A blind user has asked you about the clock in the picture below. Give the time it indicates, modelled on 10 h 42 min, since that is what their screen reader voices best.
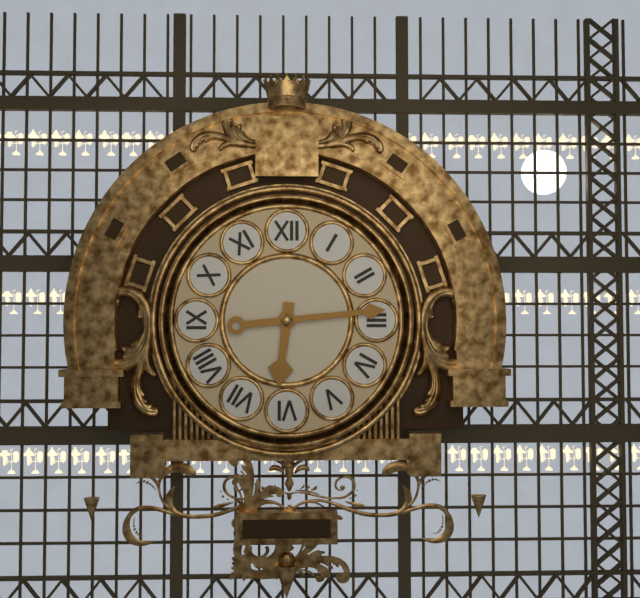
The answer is 6 h 14 min
